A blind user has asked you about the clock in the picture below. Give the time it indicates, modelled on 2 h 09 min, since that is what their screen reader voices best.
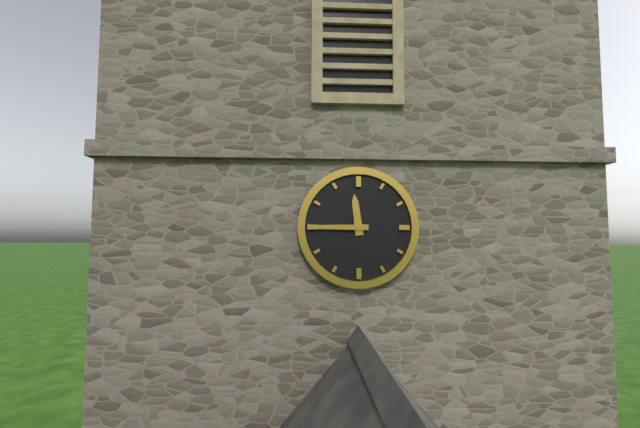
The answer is 11 h 45 min
